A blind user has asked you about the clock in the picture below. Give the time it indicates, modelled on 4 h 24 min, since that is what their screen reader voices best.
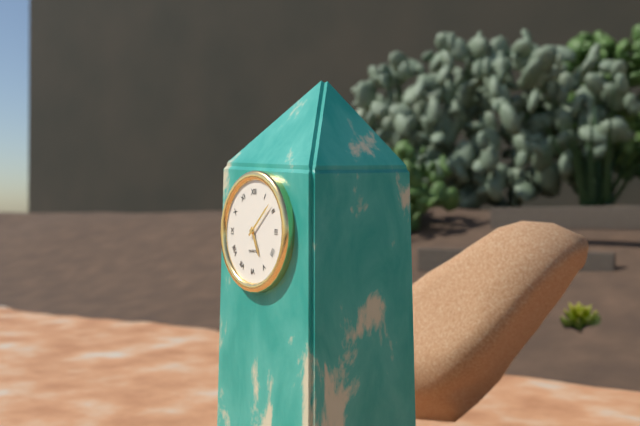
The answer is 5 h 08 min
